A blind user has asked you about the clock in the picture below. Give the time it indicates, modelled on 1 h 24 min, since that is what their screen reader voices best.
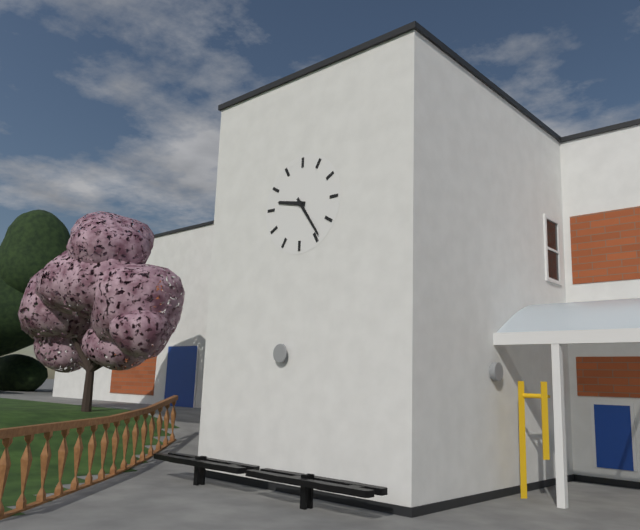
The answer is 9 h 24 min
